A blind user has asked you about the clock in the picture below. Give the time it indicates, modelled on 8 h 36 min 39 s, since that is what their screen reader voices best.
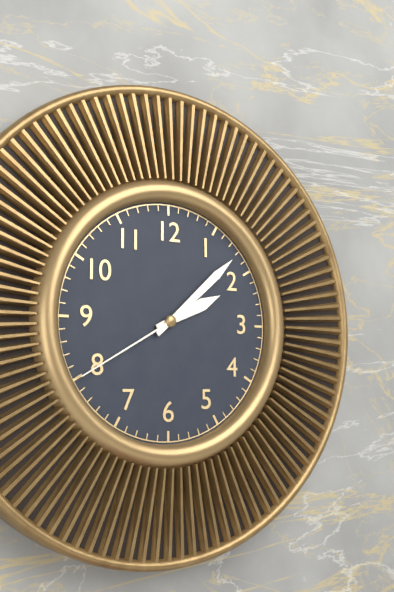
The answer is 2 h 08 min 40 s
